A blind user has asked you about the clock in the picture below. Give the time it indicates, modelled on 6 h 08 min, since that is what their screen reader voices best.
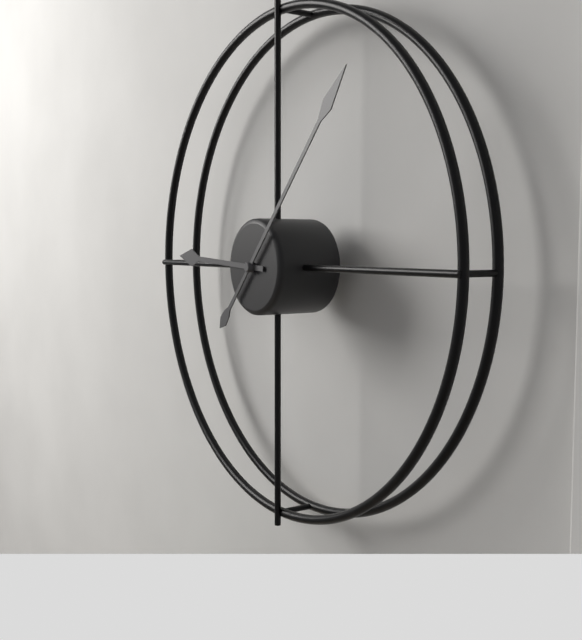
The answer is 9 h 07 min
